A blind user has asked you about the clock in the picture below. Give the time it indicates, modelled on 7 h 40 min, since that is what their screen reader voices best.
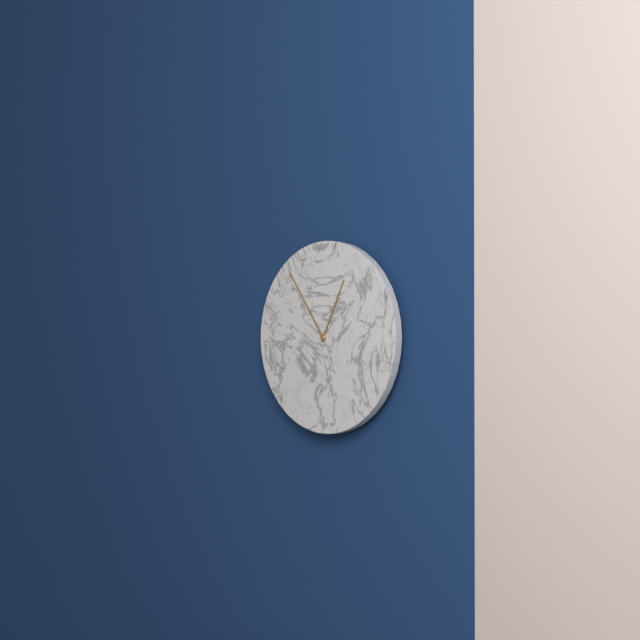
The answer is 12 h 54 min
